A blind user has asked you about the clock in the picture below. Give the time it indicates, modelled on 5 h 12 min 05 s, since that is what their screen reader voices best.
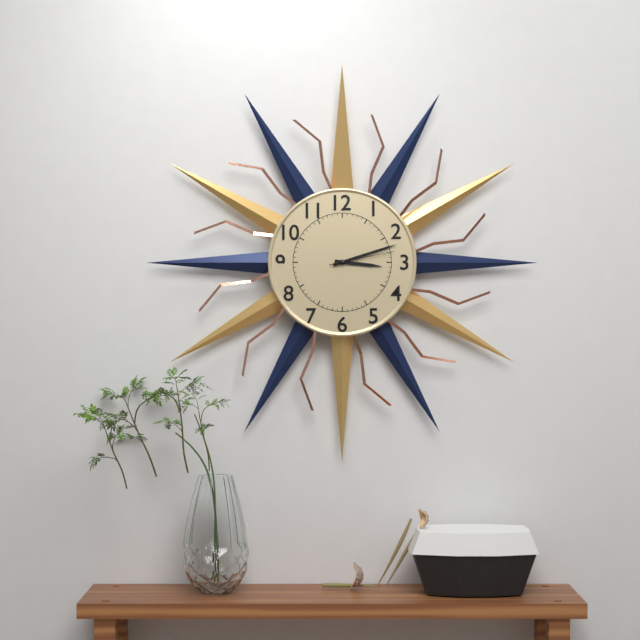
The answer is 3 h 12 min 13 s
